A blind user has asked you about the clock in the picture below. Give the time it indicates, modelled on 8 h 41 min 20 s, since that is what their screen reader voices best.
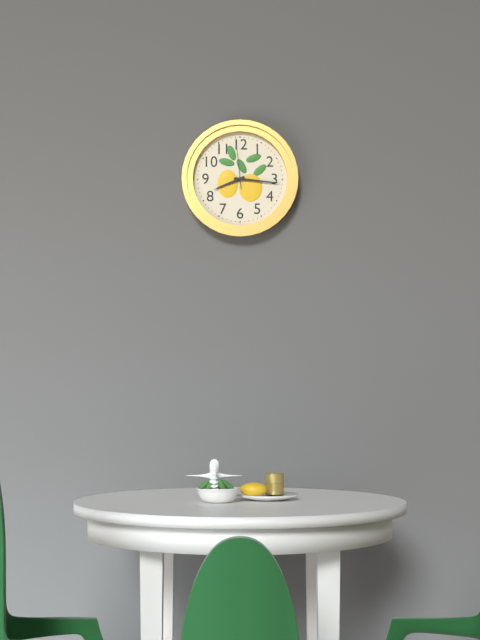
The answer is 8 h 16 min 59 s
